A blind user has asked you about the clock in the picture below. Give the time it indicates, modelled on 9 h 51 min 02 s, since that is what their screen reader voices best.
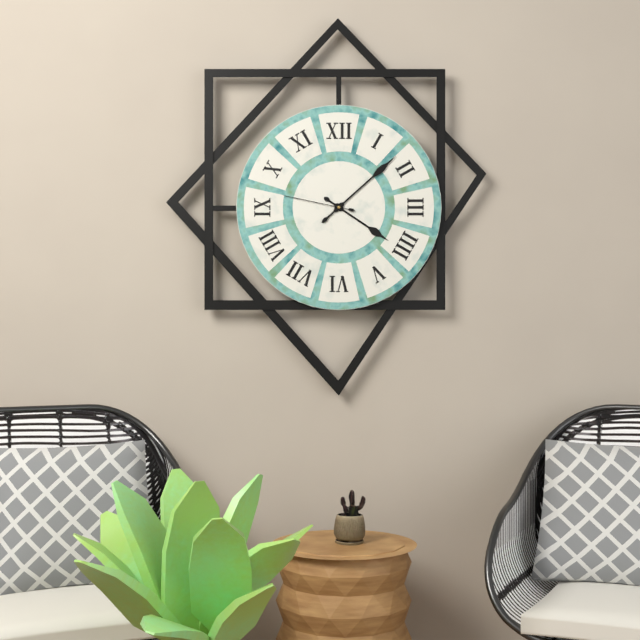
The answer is 4 h 08 min 47 s
